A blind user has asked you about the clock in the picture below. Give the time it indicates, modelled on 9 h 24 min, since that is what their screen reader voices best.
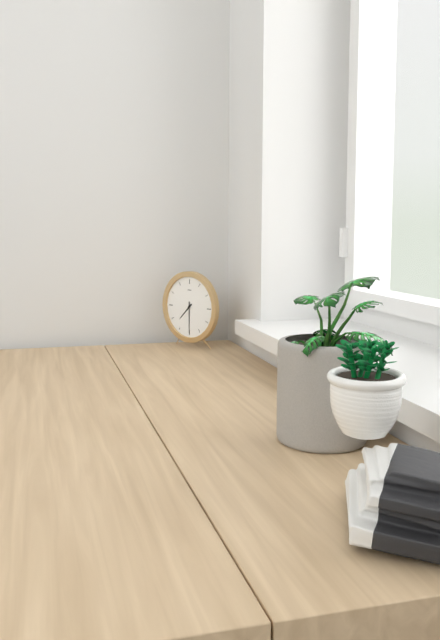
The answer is 7 h 30 min
